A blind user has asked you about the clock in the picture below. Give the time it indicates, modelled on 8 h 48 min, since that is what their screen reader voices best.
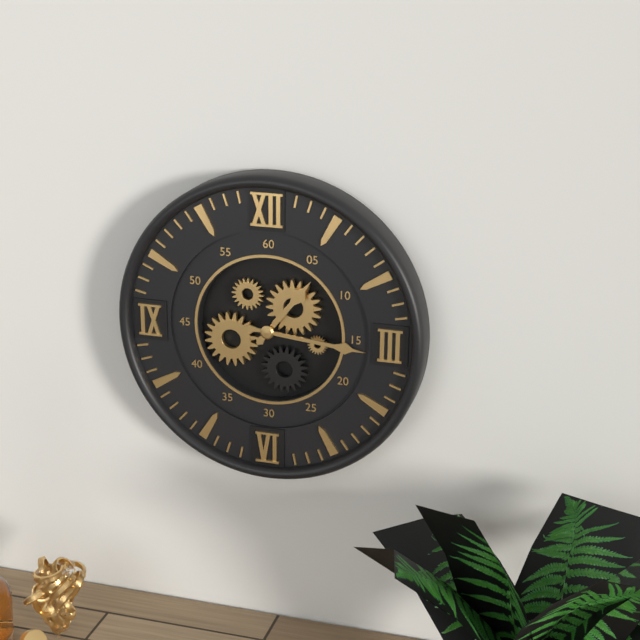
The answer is 1 h 16 min
